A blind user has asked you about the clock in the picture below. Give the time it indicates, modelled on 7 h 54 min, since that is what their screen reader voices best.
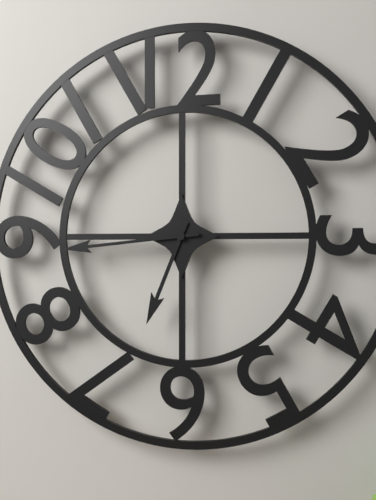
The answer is 6 h 44 min
